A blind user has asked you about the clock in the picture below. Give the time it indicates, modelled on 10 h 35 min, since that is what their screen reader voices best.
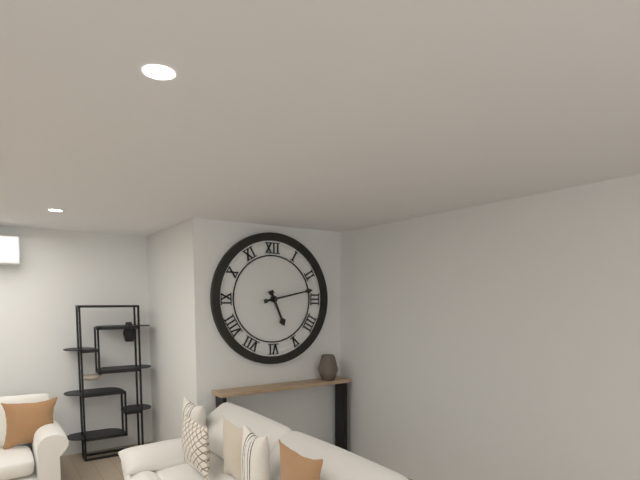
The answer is 5 h 13 min
